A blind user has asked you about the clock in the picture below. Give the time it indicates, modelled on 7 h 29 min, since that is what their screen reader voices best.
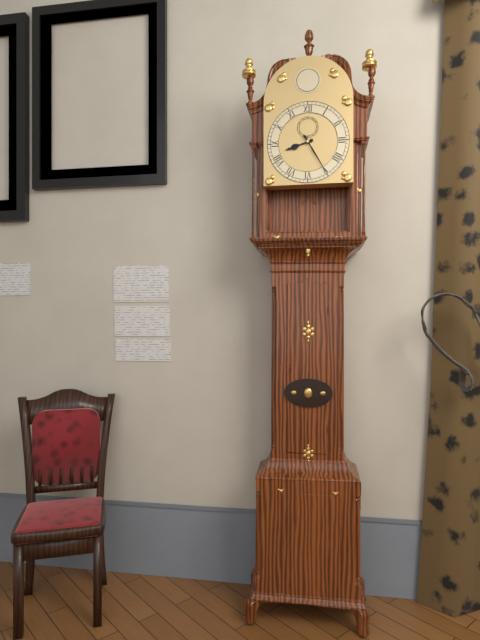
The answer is 8 h 25 min
